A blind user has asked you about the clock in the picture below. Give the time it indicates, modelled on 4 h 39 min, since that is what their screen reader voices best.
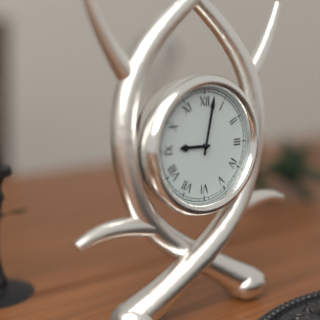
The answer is 9 h 02 min
